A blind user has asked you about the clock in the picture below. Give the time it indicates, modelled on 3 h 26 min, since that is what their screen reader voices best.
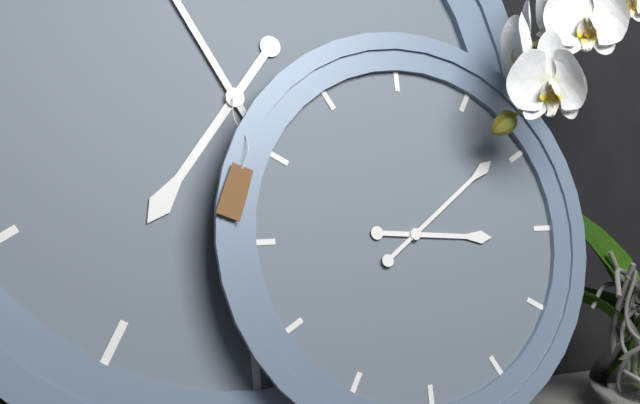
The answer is 3 h 09 min
